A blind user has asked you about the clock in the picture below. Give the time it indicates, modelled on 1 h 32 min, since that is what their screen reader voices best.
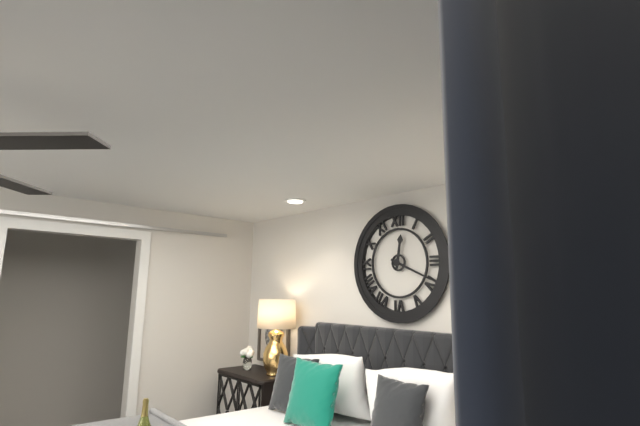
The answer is 12 h 19 min
